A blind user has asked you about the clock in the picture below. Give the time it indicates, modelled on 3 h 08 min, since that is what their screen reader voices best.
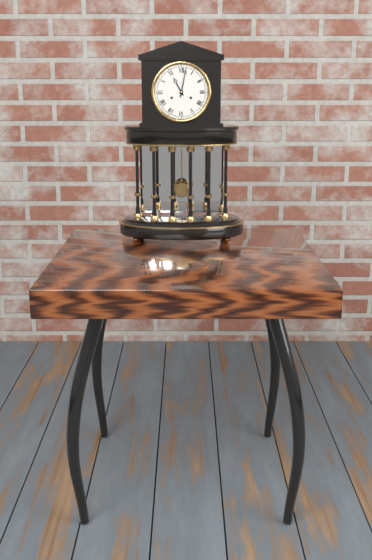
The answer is 11 h 02 min
